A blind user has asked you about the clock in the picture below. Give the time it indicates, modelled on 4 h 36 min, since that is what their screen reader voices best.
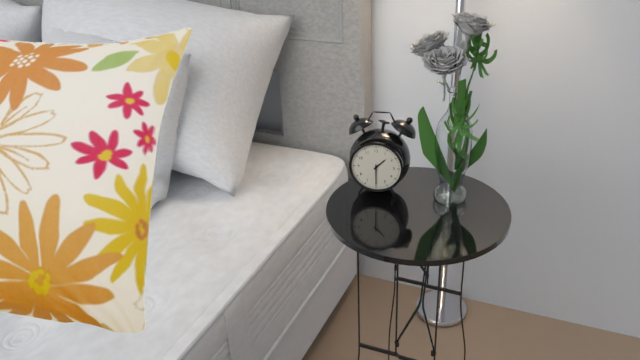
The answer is 1 h 30 min
